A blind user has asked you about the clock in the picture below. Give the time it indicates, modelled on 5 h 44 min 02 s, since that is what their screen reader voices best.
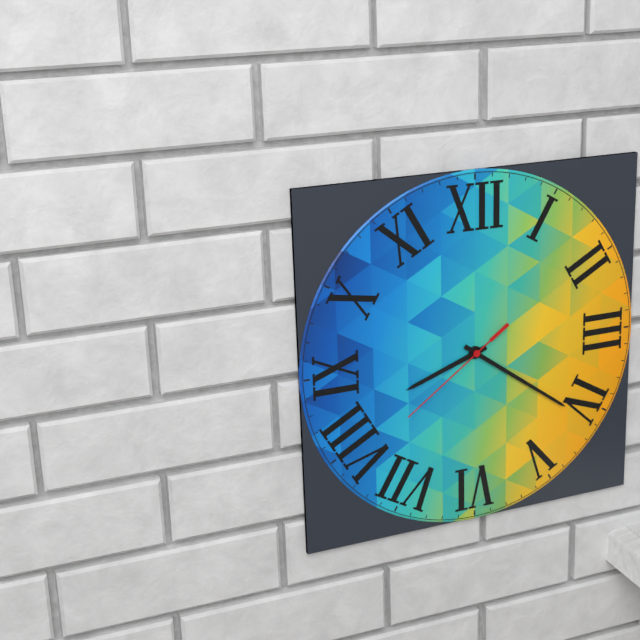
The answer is 8 h 21 min 39 s
